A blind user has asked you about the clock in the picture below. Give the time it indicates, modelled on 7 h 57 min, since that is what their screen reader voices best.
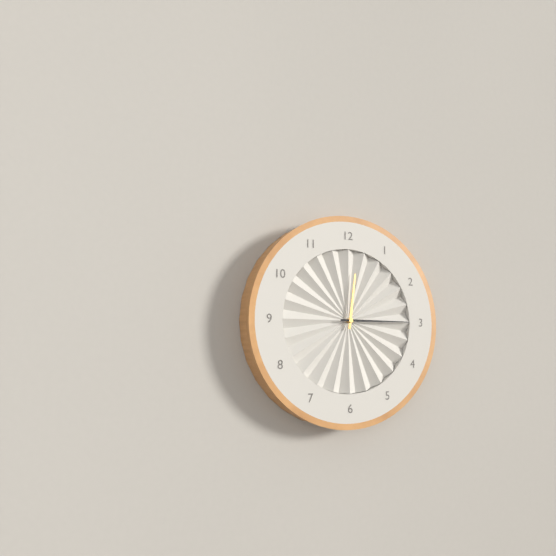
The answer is 12 h 15 min
